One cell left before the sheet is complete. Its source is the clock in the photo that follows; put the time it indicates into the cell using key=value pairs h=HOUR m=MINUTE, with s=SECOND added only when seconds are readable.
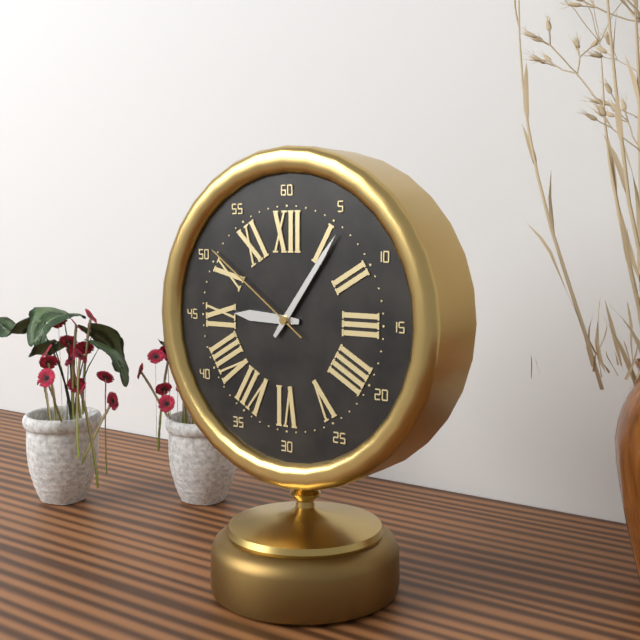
h=9 m=6 s=51
